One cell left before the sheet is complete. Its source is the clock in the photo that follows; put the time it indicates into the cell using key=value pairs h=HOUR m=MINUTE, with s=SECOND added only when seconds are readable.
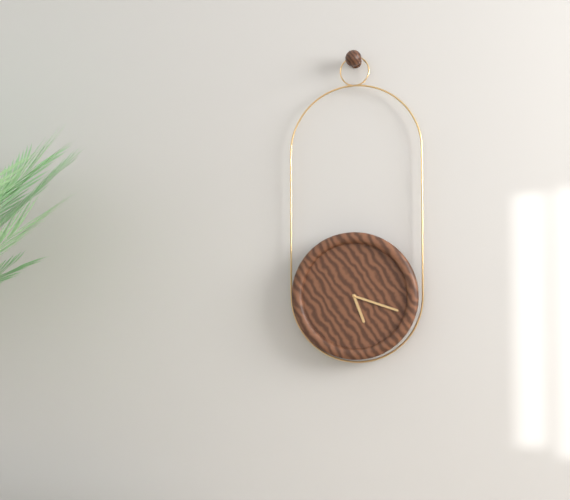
h=5 m=18
